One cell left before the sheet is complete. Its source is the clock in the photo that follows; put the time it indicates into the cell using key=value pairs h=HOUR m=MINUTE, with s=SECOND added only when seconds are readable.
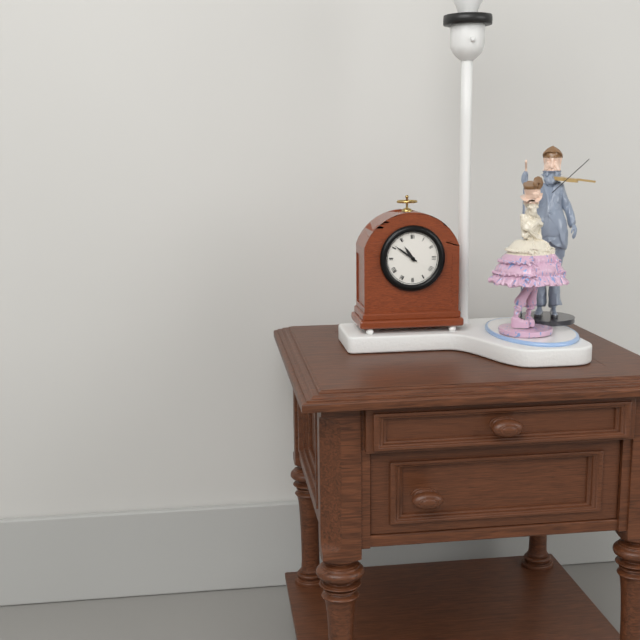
h=10 m=51
